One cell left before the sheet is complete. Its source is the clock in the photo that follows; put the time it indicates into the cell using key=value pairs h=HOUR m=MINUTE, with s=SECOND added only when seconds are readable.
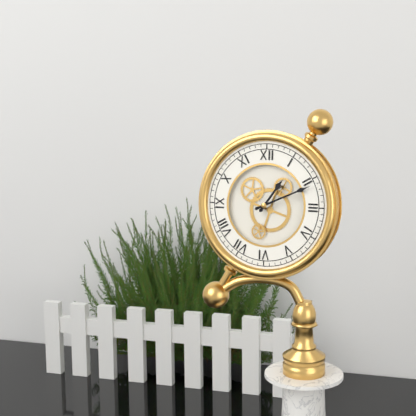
h=1 m=11
